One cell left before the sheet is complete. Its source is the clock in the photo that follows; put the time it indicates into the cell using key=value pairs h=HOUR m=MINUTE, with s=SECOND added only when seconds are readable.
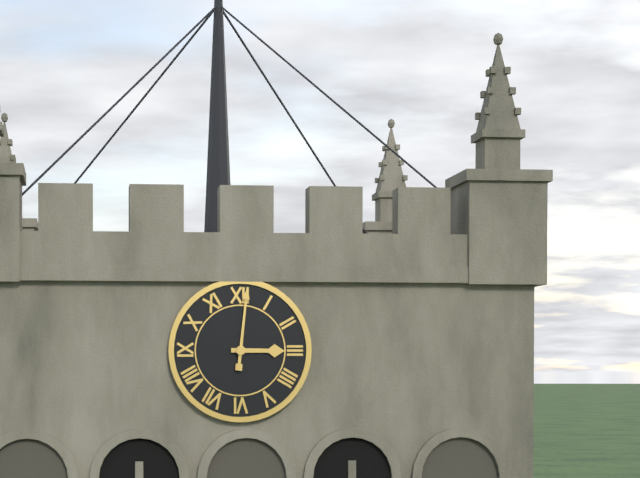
h=3 m=1
